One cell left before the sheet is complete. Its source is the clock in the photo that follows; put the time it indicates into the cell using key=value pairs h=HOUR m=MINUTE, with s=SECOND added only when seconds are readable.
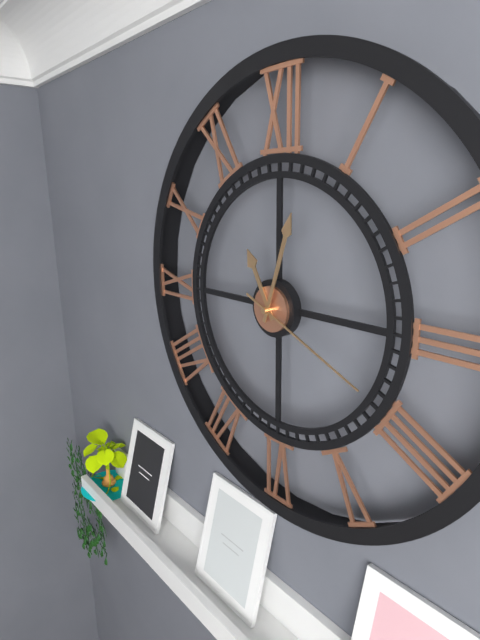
h=11 m=3 s=19
